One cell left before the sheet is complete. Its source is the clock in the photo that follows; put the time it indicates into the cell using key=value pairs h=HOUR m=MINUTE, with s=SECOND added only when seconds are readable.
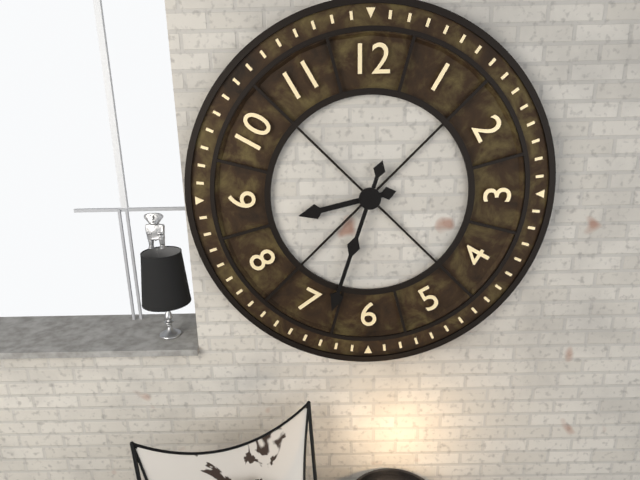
h=8 m=33
